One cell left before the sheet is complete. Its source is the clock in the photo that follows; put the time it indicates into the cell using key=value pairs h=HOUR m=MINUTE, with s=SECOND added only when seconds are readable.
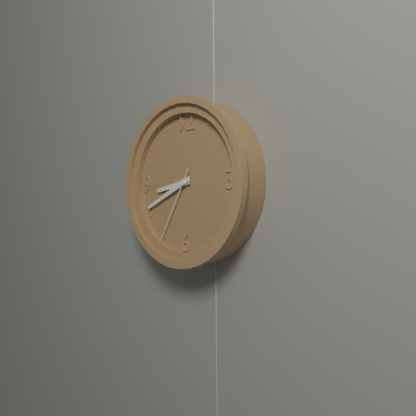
h=8 m=41 s=35
